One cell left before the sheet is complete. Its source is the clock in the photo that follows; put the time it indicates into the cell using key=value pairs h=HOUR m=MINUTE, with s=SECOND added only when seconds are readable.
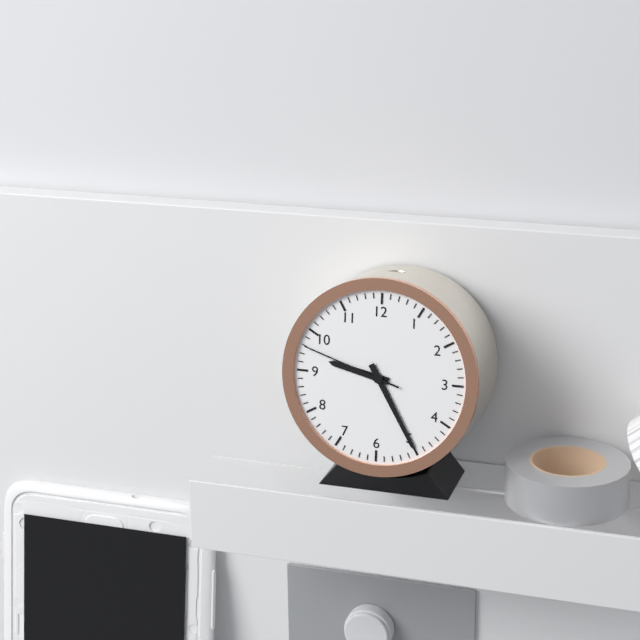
h=9 m=25 s=48
